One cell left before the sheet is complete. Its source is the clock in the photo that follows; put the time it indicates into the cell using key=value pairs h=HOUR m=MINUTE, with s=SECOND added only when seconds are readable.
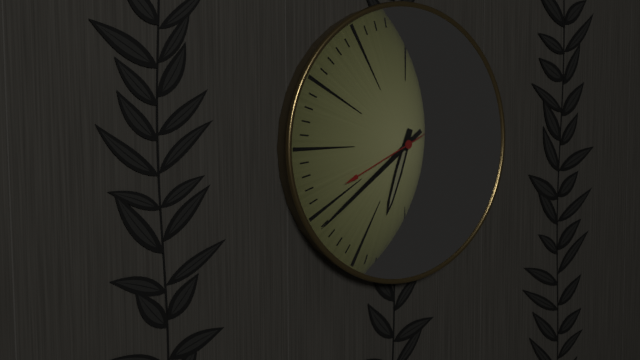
h=6 m=39 s=41
